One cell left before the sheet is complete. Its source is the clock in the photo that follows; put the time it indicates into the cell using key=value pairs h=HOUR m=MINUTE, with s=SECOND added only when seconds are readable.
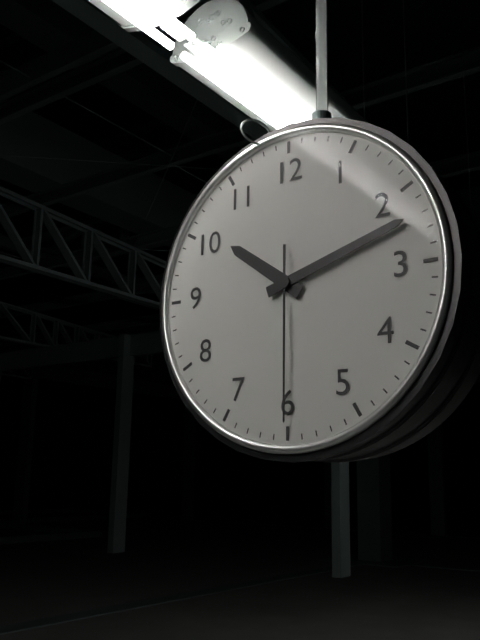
h=10 m=12 s=30
